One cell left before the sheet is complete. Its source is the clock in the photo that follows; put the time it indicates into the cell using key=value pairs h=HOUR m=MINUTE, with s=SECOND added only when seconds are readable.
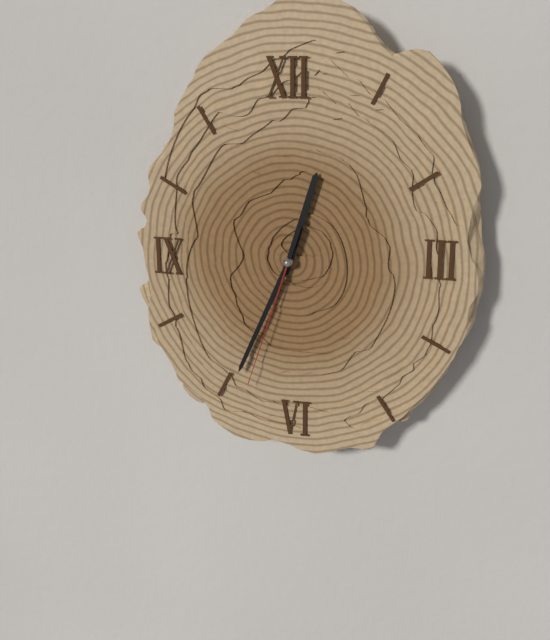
h=12 m=34 s=33
